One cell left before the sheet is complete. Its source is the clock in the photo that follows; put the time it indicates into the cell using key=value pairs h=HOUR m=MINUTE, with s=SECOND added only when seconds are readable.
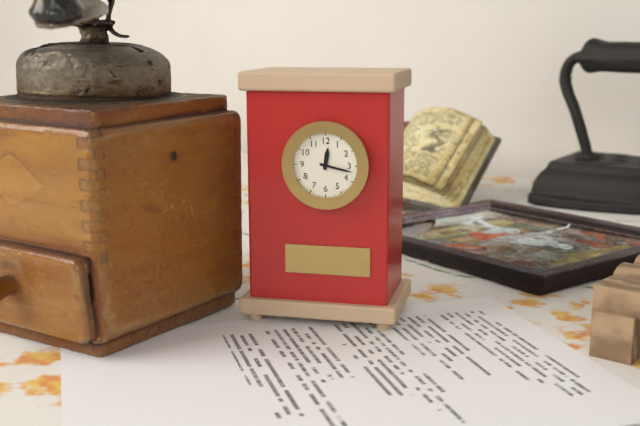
h=12 m=17
